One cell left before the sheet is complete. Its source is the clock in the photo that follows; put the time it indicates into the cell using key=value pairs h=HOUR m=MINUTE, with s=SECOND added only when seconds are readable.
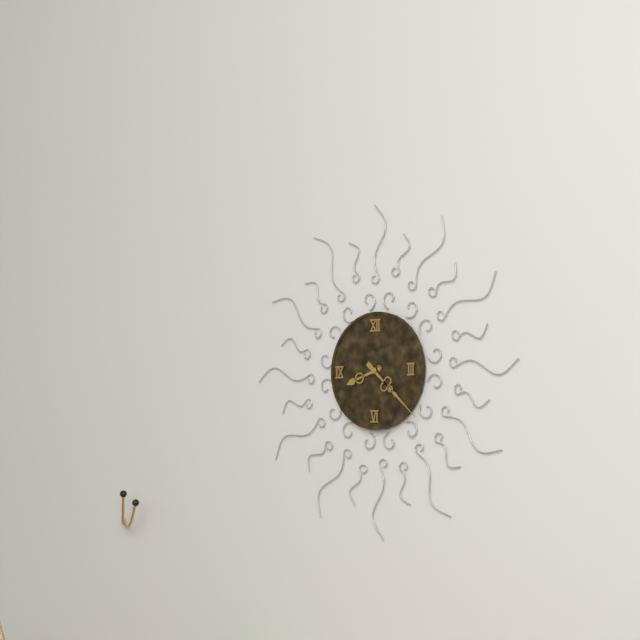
h=8 m=22
